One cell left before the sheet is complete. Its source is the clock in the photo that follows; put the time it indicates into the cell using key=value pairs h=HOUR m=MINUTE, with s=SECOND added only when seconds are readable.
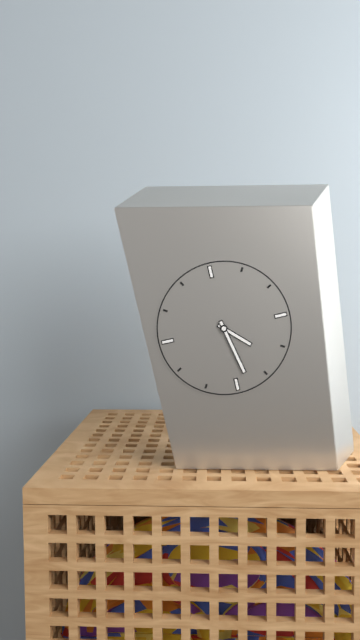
h=4 m=28
